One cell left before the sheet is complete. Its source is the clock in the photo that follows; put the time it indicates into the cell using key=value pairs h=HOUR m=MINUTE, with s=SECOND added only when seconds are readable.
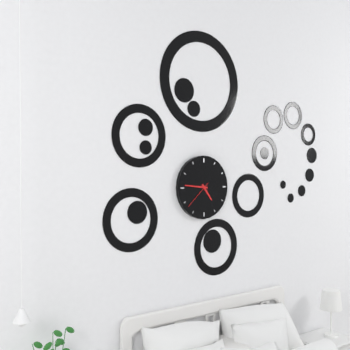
h=4 m=46
